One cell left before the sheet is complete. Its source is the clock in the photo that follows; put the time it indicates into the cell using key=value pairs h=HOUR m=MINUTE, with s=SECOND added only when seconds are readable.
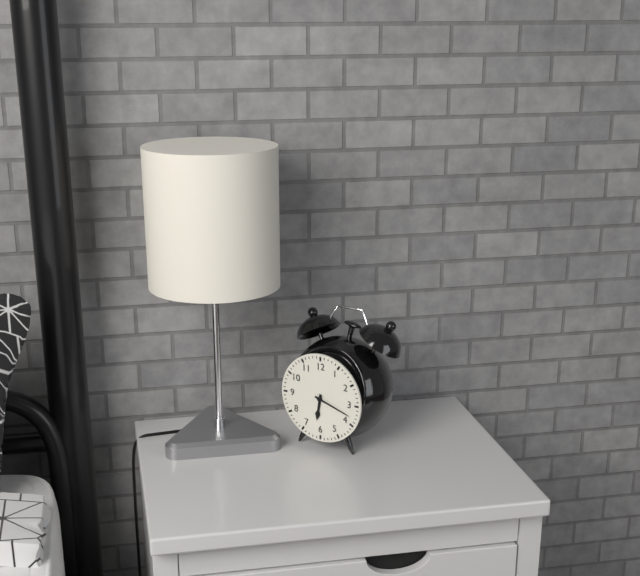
h=6 m=18
